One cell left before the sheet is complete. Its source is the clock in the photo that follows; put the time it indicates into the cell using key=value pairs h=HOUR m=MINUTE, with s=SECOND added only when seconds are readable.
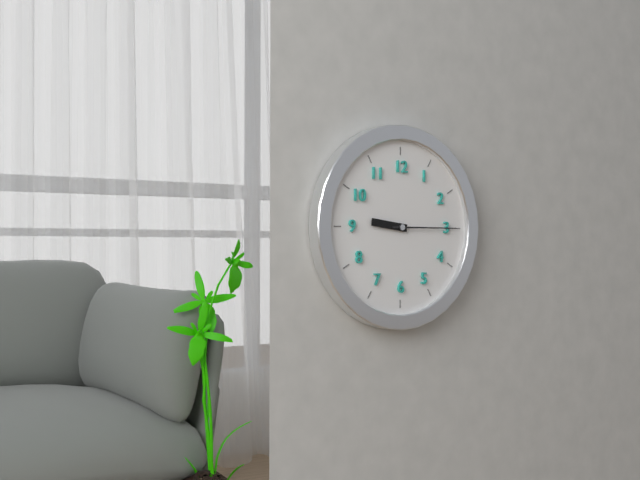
h=9 m=15
